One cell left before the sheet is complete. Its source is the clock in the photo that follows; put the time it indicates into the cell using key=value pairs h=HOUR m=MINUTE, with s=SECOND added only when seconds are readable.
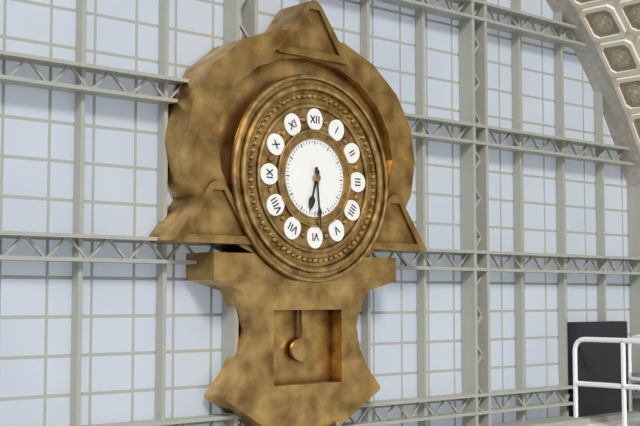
h=6 m=29
